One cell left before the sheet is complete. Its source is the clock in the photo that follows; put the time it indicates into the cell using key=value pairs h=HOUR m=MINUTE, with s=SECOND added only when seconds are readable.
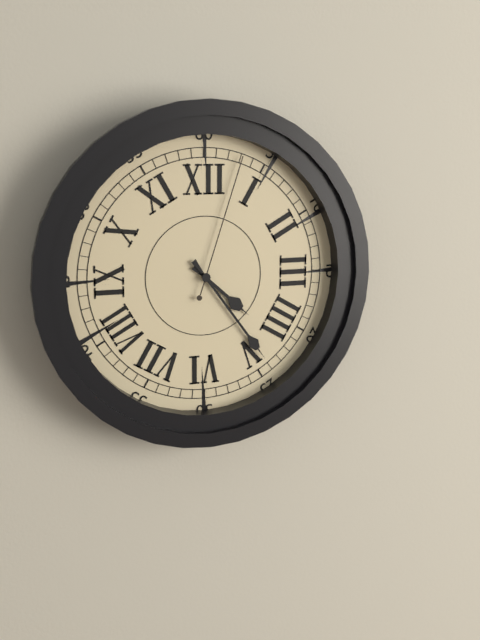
h=4 m=24 s=3
